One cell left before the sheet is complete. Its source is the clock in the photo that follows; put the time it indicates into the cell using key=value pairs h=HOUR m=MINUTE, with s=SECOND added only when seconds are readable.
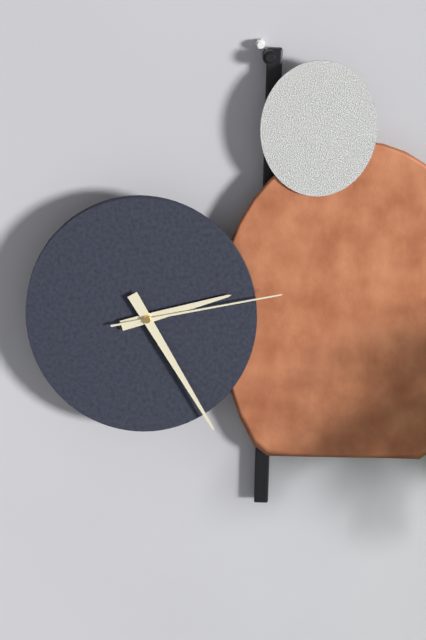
h=2 m=25 s=13
